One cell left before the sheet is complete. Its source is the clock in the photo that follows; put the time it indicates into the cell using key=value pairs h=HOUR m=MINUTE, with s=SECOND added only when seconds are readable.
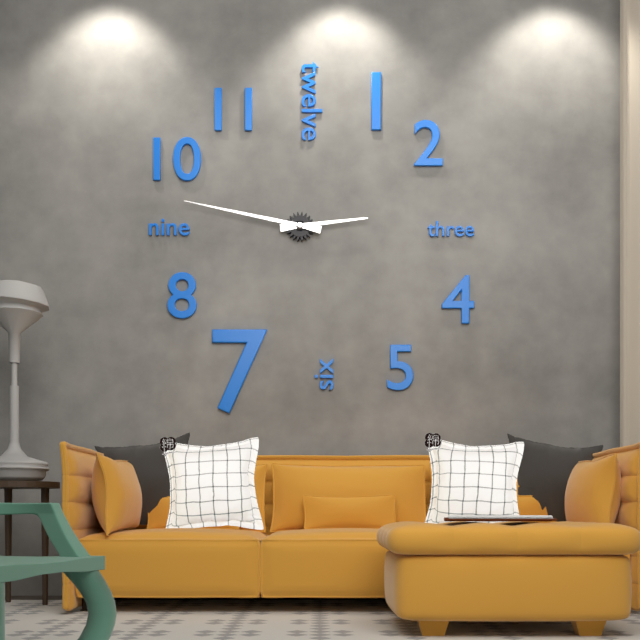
h=2 m=47
